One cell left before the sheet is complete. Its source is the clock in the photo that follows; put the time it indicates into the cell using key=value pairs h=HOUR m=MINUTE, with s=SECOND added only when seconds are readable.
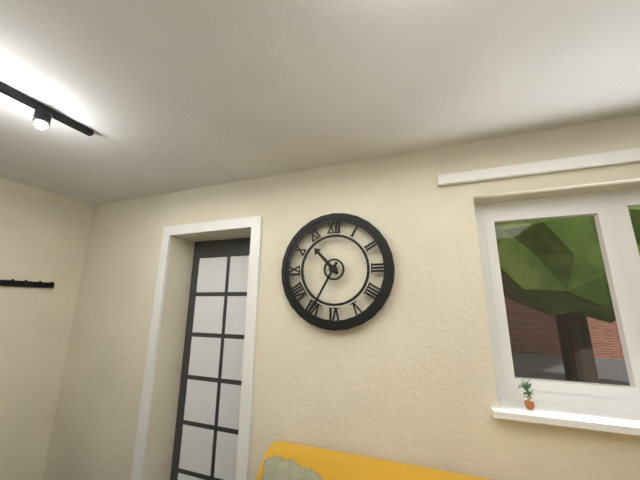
h=10 m=35
